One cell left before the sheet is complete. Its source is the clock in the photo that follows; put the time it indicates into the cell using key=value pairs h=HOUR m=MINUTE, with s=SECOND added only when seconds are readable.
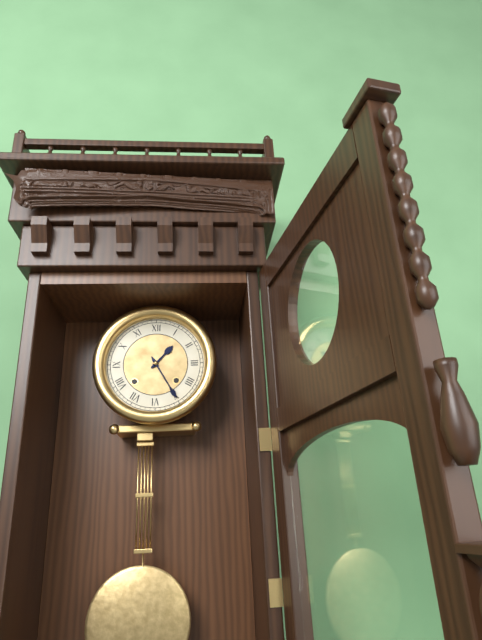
h=1 m=25
